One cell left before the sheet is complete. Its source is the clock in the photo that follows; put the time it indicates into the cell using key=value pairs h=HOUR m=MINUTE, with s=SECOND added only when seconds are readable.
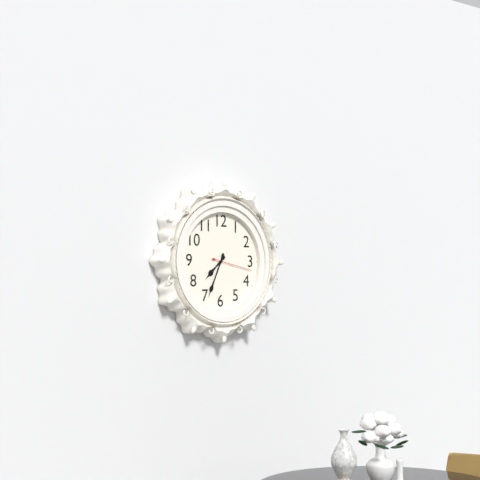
h=7 m=34
